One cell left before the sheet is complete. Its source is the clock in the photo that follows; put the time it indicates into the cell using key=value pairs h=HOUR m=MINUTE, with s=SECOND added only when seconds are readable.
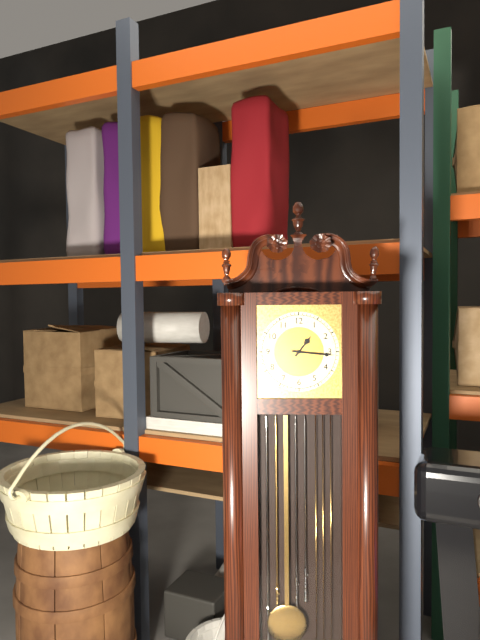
h=1 m=16
